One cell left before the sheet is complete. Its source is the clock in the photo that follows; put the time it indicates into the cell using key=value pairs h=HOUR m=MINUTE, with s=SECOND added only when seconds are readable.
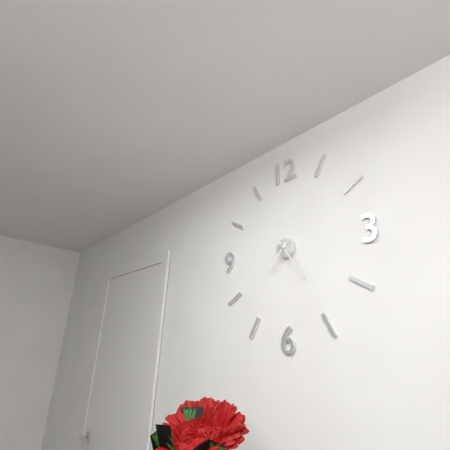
h=7 m=24
